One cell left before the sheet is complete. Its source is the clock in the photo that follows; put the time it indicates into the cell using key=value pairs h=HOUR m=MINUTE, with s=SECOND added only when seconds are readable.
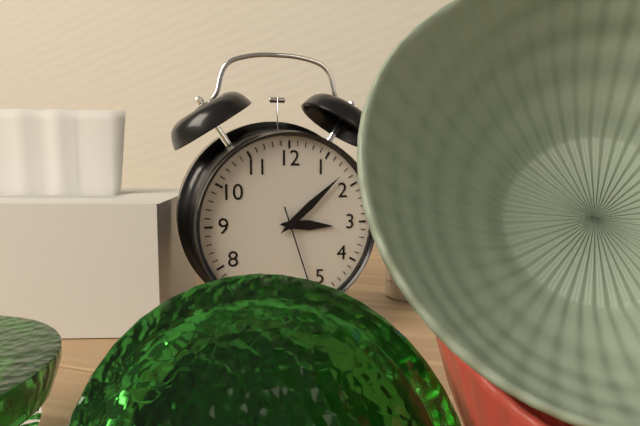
h=3 m=8 s=27
